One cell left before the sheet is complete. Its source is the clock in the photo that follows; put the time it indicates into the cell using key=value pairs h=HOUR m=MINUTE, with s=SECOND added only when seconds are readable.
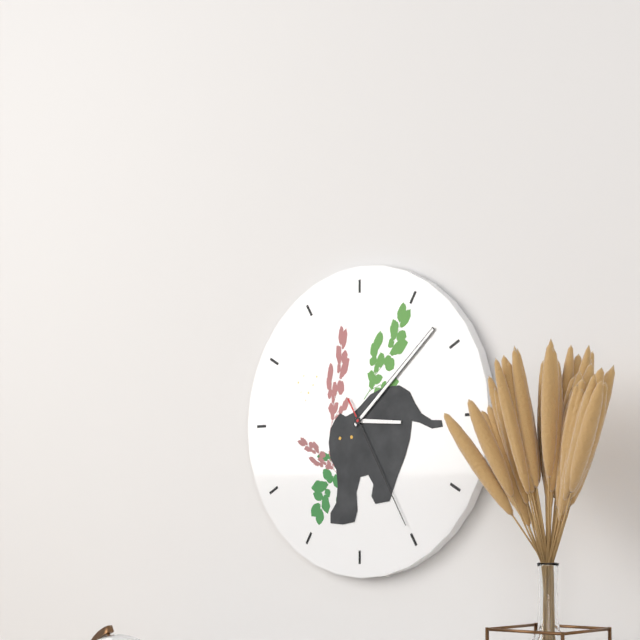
h=3 m=8 s=25
